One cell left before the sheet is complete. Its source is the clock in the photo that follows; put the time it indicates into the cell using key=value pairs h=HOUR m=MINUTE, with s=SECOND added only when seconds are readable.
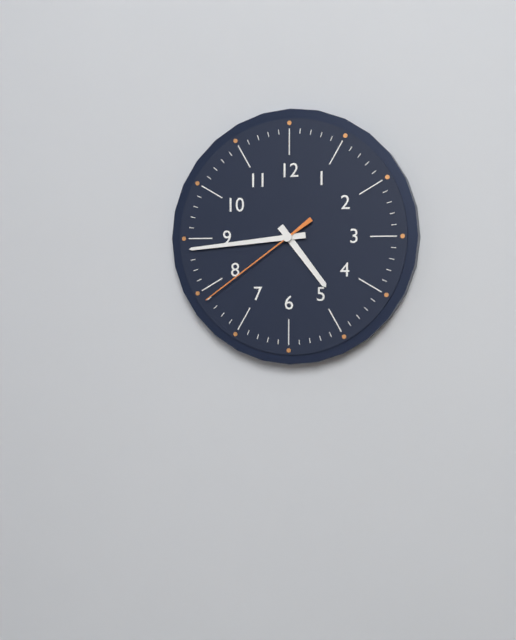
h=4 m=44 s=39
